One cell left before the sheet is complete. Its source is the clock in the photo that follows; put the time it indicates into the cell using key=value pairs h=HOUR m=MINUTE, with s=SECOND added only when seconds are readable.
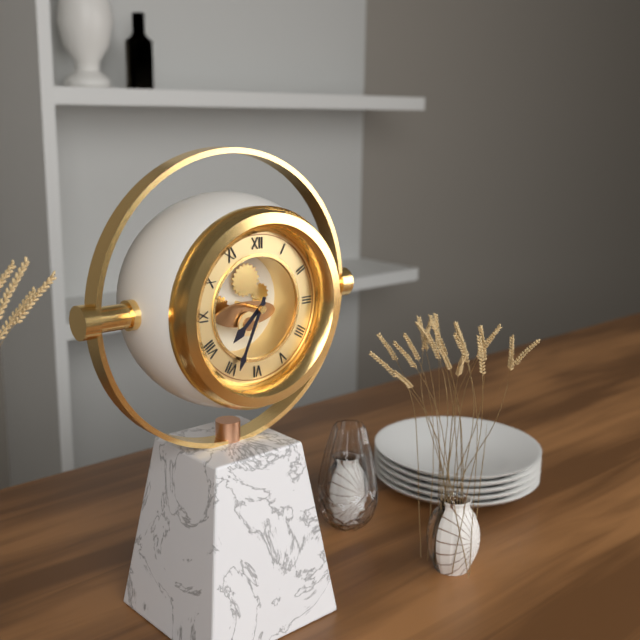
h=7 m=34
